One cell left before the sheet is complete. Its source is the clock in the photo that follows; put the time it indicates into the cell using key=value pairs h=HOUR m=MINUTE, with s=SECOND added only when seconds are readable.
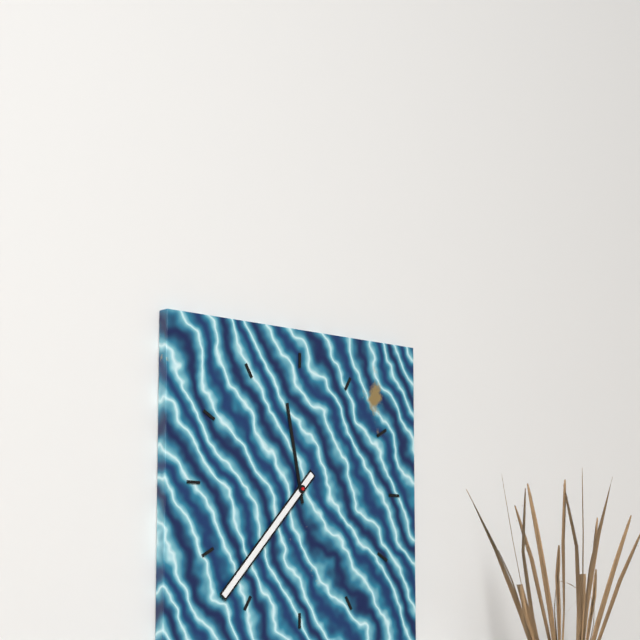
h=11 m=37
